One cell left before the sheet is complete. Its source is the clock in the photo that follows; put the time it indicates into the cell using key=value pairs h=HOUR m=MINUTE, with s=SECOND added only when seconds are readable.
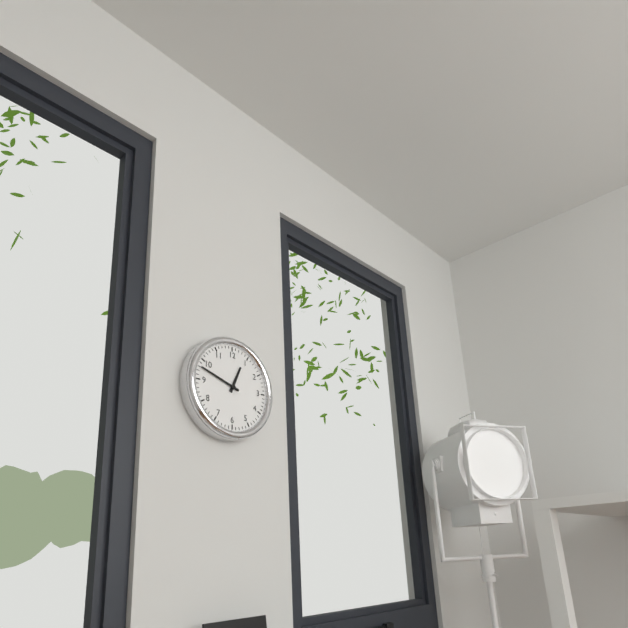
h=12 m=48
